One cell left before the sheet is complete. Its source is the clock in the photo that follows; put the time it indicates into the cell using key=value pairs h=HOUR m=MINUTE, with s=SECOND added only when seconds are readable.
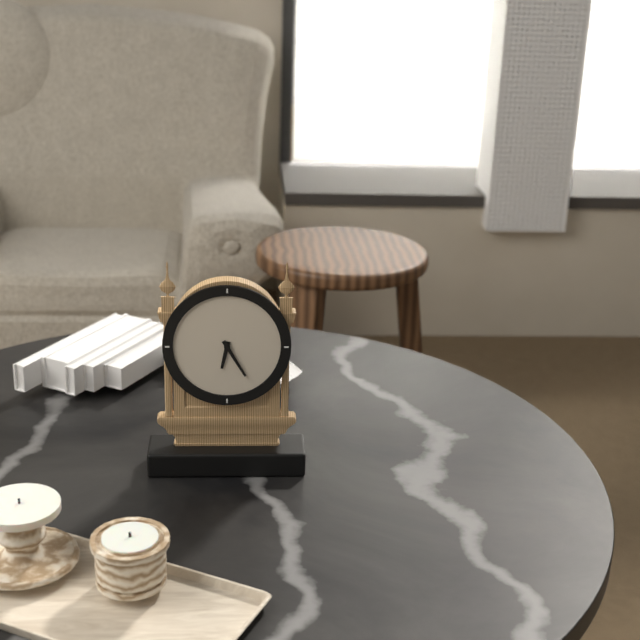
h=6 m=25
